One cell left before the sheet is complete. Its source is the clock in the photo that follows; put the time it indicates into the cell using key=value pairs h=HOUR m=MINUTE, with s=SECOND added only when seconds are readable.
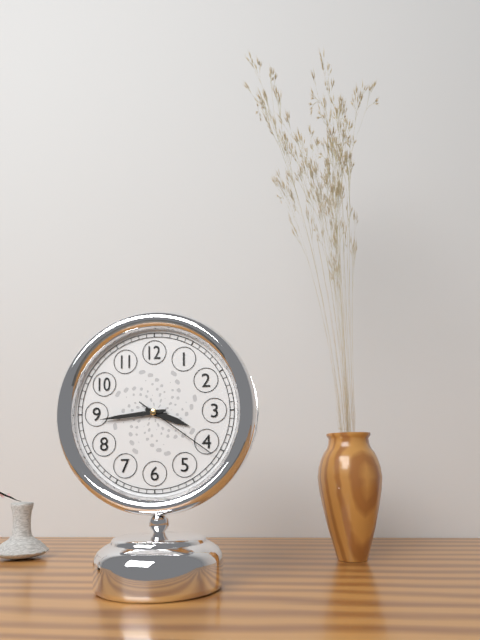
h=3 m=44 s=21
